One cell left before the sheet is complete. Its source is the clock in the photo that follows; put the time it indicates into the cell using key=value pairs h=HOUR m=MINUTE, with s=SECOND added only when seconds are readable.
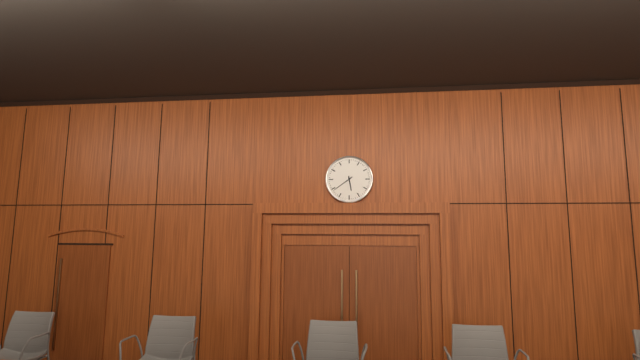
h=5 m=39
